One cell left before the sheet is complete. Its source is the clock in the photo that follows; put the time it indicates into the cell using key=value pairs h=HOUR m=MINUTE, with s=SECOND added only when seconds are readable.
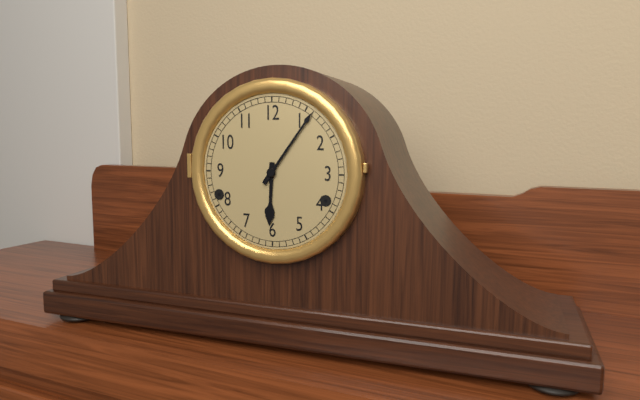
h=6 m=6
